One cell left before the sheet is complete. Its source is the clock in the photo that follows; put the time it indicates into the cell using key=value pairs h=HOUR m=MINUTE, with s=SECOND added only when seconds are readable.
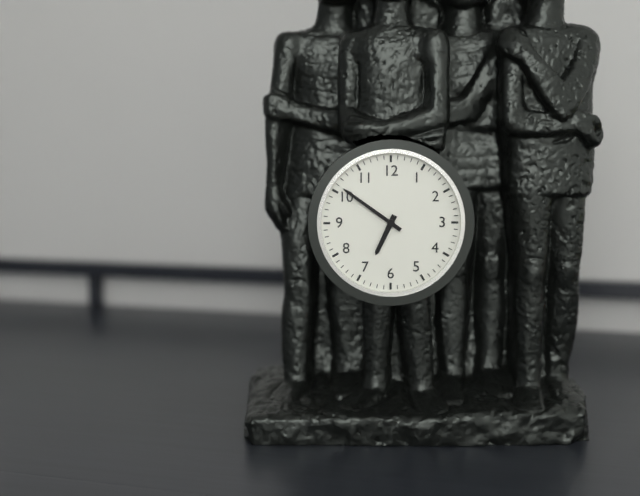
h=6 m=51
